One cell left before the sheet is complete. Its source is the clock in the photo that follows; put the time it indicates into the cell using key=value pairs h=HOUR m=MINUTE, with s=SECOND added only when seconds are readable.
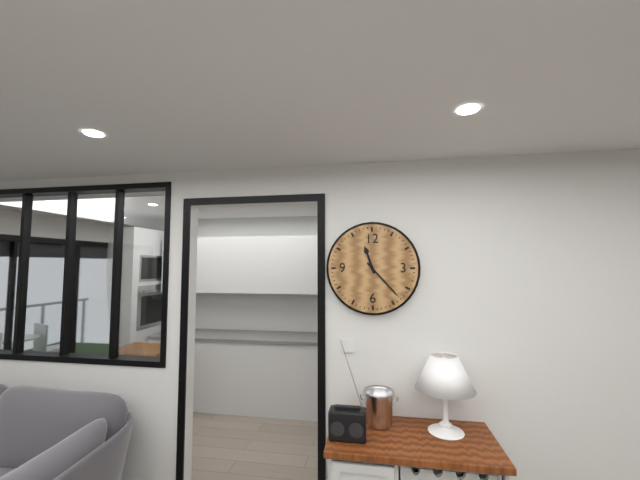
h=11 m=23
